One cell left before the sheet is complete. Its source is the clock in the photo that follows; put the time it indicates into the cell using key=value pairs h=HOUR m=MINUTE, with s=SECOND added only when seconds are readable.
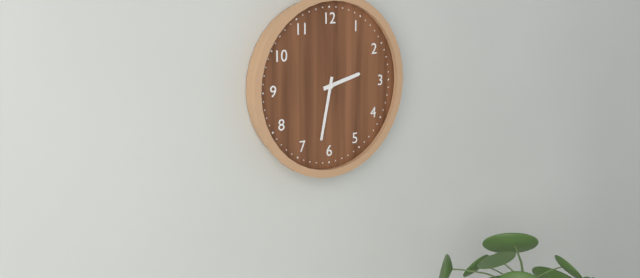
h=2 m=32
